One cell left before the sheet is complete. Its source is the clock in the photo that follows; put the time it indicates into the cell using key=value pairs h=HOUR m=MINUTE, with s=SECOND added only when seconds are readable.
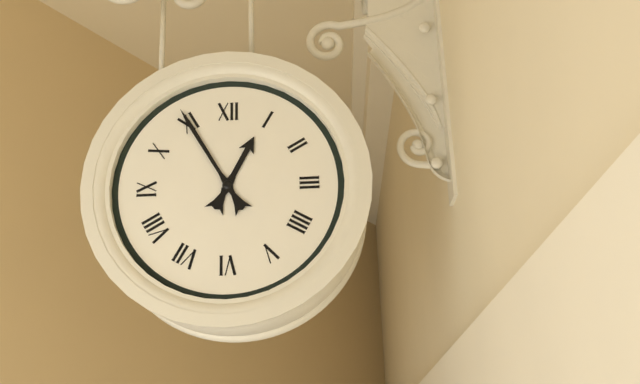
h=12 m=55
